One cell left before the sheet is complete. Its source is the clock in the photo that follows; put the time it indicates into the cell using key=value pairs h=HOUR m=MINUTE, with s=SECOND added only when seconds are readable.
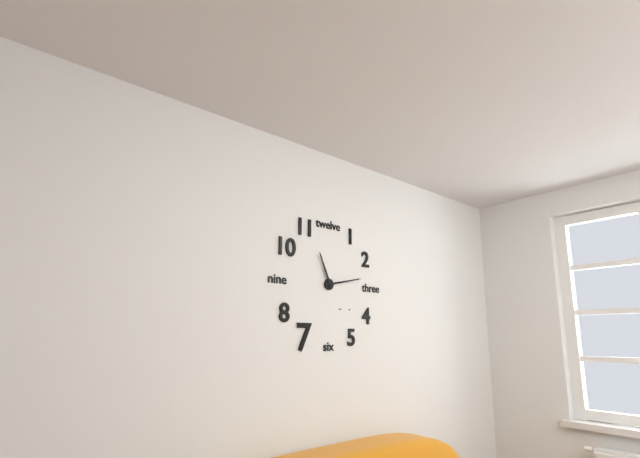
h=11 m=13
